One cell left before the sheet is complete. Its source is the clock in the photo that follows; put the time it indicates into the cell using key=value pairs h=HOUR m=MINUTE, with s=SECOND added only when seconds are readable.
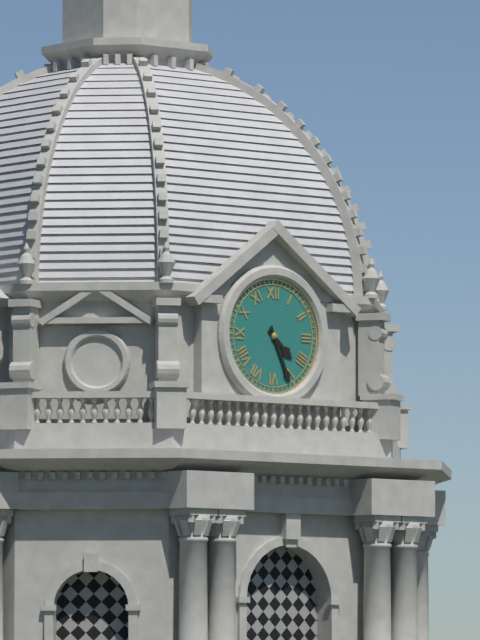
h=4 m=26
